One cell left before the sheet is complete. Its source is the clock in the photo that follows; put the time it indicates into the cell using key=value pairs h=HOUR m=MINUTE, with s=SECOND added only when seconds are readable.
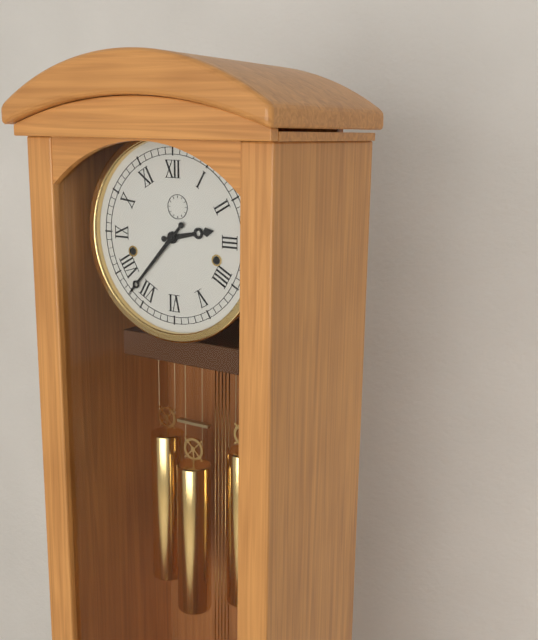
h=2 m=37
